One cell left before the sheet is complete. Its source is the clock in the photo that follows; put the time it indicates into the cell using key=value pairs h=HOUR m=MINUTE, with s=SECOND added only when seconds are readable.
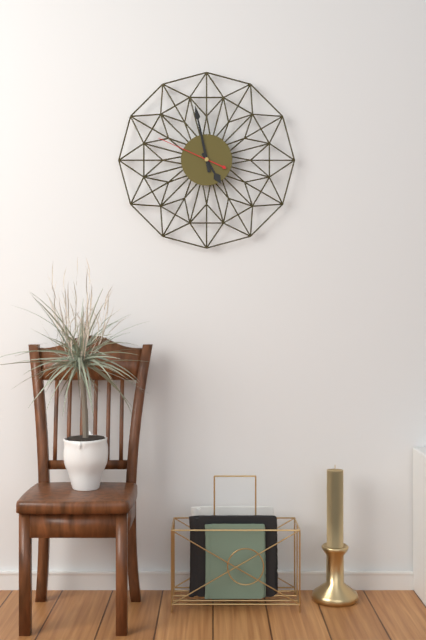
h=4 m=58 s=49
